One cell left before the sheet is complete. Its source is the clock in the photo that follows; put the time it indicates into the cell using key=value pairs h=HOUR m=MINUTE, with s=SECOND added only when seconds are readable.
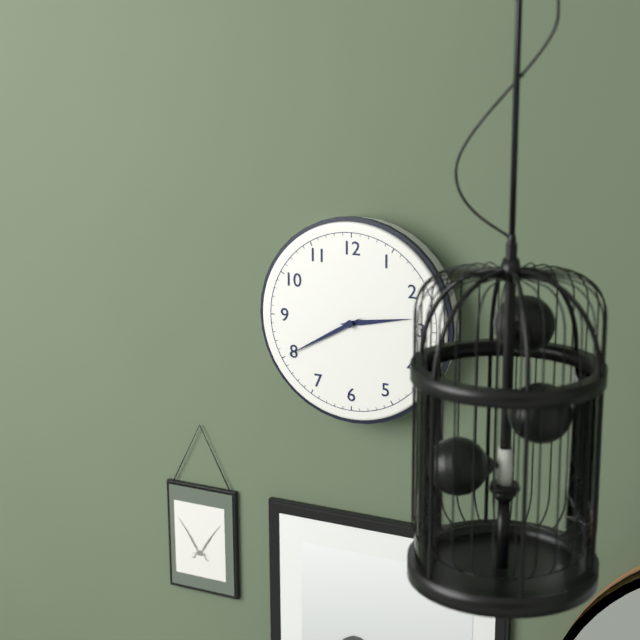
h=2 m=40
